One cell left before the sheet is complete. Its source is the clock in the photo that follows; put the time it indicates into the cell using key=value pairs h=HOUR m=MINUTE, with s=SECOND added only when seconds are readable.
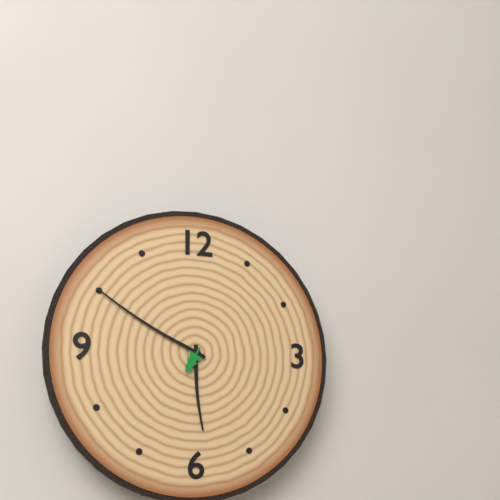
h=5 m=50
